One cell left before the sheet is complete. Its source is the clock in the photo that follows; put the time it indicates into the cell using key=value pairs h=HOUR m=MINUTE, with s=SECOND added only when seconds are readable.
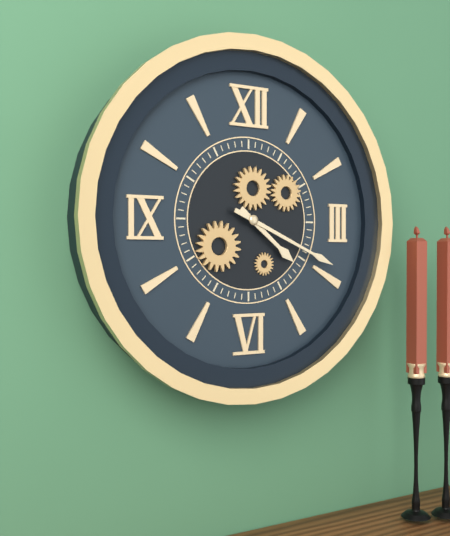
h=4 m=19
